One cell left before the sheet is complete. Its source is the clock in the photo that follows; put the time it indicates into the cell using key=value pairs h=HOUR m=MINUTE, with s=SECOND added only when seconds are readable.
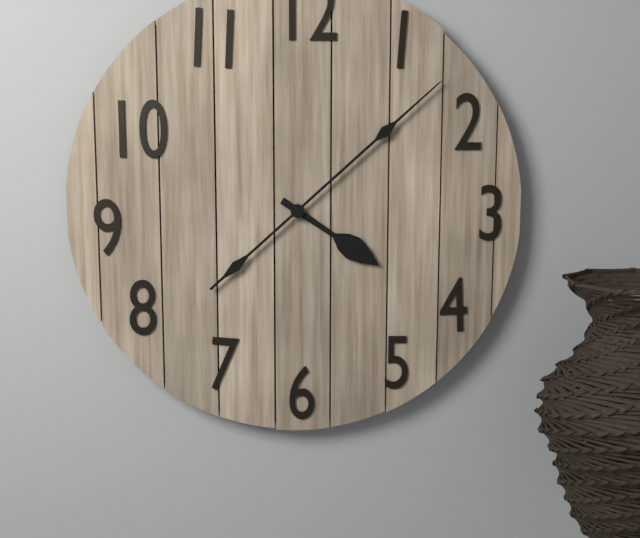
h=4 m=8
